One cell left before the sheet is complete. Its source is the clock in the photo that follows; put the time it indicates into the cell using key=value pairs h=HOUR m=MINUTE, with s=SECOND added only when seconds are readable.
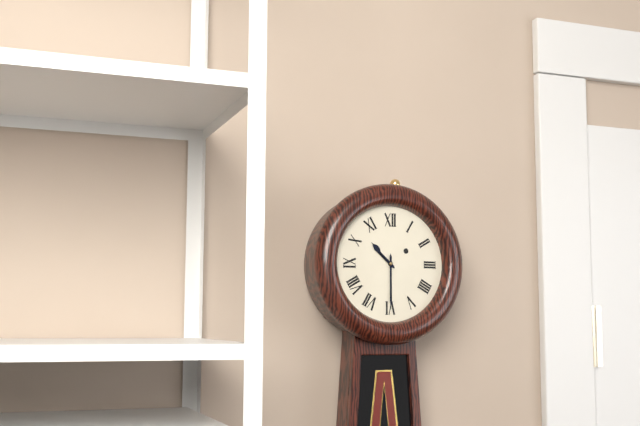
h=10 m=30
